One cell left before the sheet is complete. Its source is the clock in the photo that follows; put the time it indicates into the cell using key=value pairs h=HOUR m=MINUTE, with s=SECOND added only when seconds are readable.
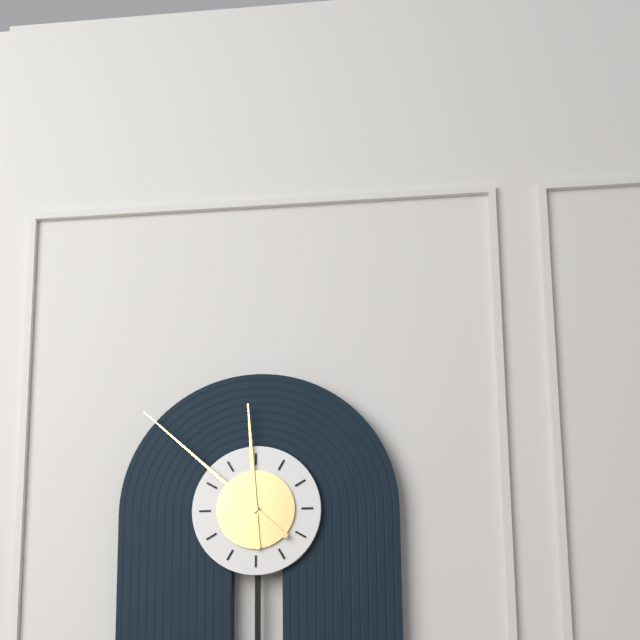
h=11 m=52
